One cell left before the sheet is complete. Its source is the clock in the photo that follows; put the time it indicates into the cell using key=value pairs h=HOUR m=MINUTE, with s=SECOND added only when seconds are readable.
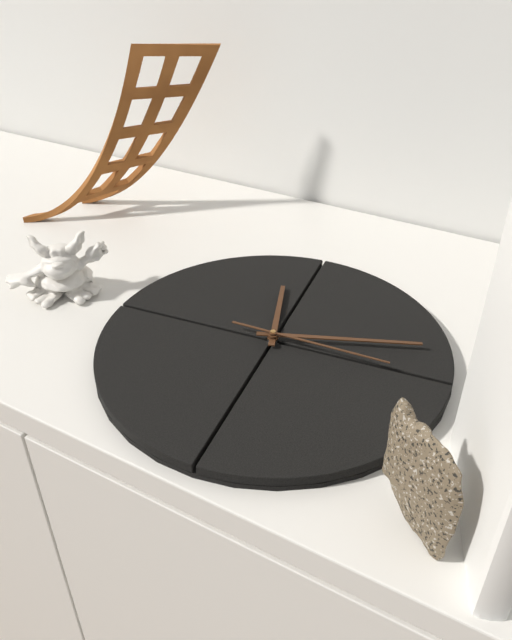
h=12 m=16 s=19
